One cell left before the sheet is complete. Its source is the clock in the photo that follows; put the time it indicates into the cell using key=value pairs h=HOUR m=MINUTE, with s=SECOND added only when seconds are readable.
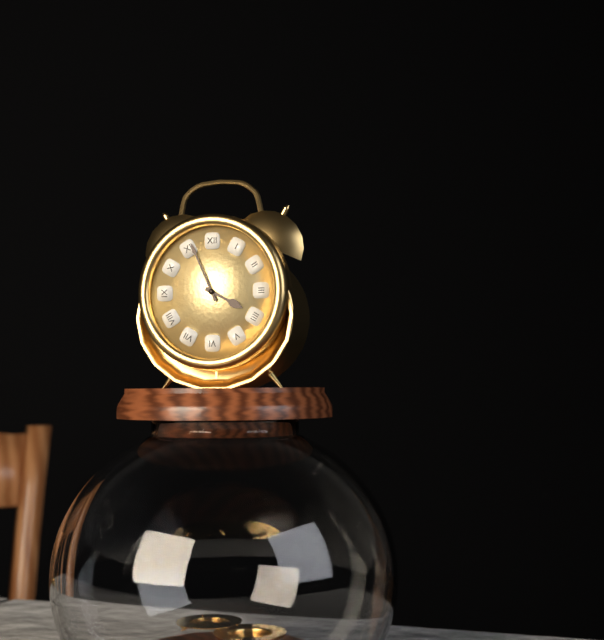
h=3 m=56
